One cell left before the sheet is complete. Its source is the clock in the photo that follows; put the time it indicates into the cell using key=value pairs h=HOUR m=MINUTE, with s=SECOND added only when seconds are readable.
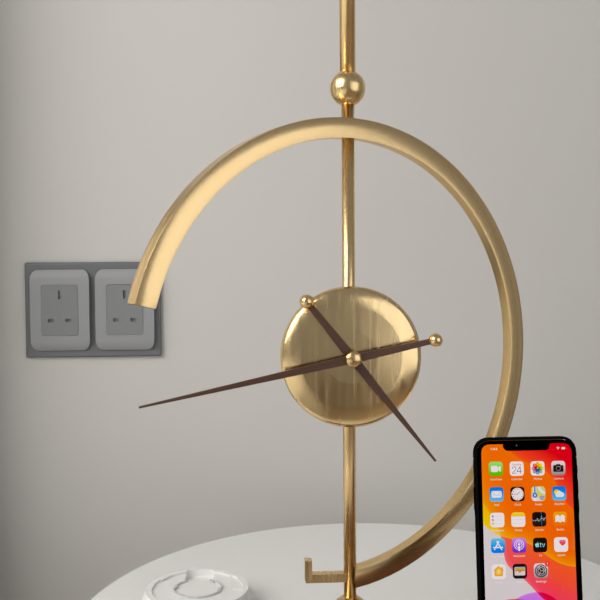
h=4 m=43
